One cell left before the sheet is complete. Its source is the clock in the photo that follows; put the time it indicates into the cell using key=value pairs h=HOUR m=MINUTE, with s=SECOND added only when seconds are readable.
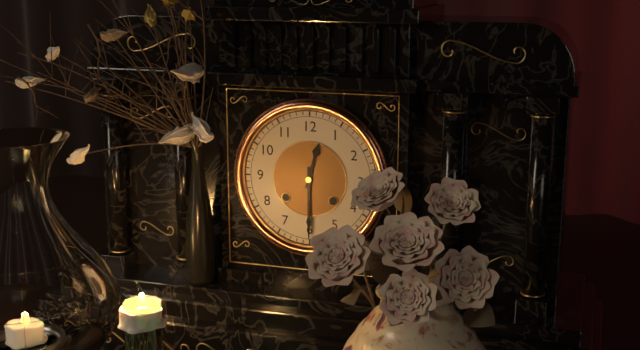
h=12 m=30
